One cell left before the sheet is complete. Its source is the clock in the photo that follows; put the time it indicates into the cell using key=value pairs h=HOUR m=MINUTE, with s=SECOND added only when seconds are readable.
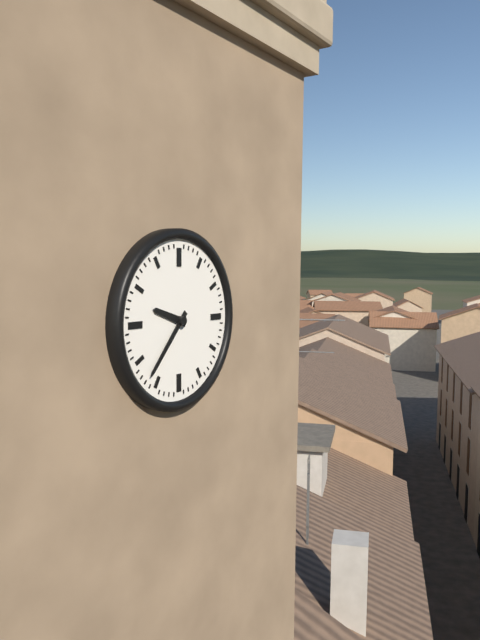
h=9 m=37
